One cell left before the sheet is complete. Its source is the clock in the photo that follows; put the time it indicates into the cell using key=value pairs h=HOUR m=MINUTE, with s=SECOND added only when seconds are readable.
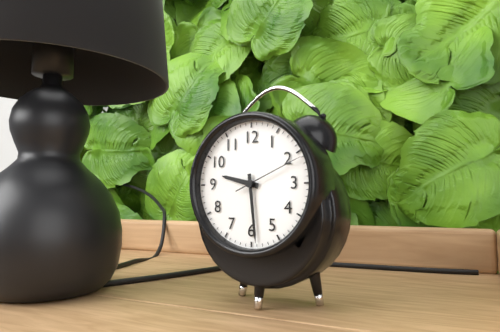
h=9 m=29 s=11
